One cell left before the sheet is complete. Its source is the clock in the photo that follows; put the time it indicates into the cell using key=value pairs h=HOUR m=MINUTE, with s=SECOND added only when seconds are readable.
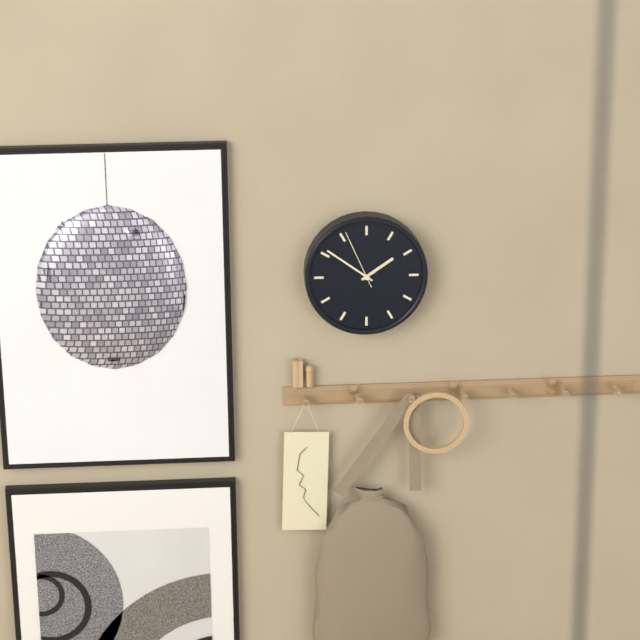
h=1 m=51 s=56
